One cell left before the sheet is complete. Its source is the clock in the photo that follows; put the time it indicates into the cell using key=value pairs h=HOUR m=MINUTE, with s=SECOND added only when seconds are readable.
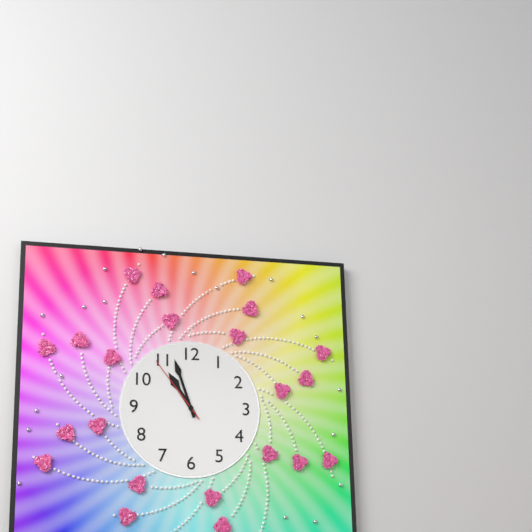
h=10 m=57 s=54
